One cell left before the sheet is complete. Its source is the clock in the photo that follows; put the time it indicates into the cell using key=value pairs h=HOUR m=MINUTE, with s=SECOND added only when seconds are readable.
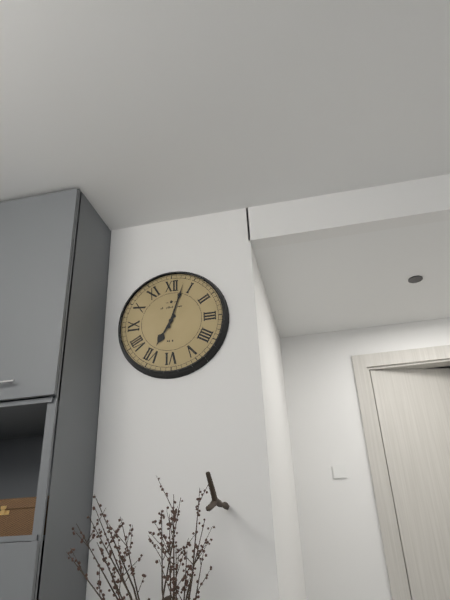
h=7 m=3
